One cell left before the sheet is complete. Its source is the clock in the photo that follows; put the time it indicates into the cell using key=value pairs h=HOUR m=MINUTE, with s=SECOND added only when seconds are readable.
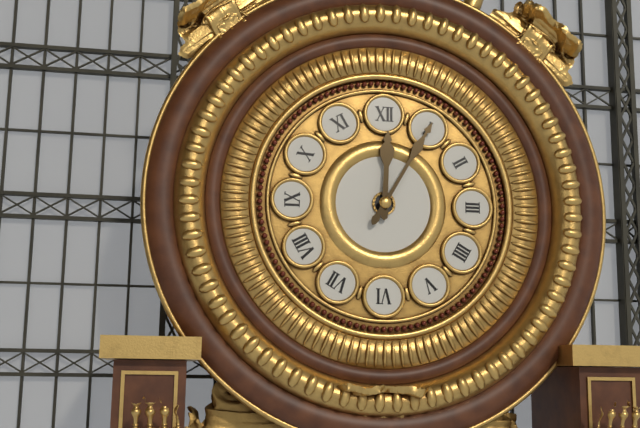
h=12 m=5
